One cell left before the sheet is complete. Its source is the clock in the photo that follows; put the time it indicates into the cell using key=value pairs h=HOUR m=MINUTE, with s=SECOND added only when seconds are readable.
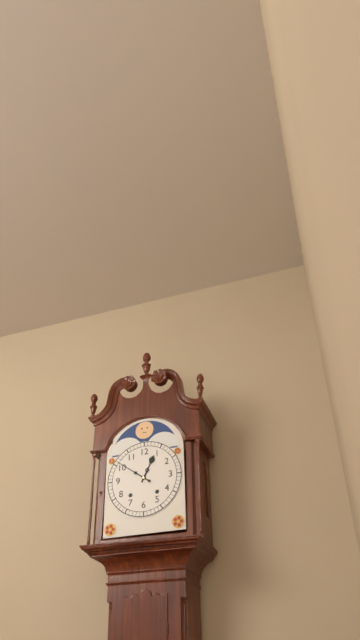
h=12 m=51
